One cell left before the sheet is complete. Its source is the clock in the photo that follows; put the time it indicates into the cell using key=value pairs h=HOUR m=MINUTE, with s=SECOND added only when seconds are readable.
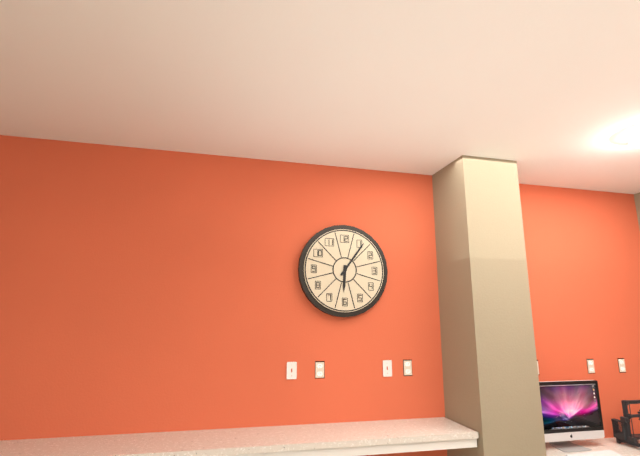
h=6 m=6
